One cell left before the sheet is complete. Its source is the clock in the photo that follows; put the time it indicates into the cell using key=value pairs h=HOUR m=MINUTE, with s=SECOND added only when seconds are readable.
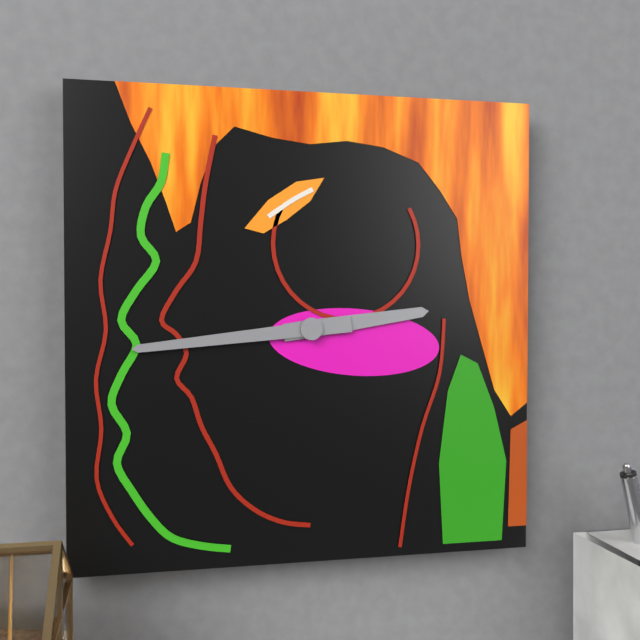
h=2 m=44
